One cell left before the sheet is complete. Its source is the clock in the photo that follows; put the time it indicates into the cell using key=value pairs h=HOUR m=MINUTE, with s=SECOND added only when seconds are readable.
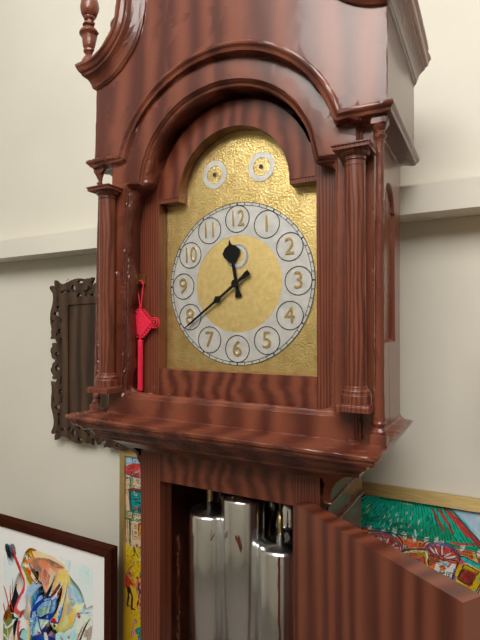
h=11 m=39
